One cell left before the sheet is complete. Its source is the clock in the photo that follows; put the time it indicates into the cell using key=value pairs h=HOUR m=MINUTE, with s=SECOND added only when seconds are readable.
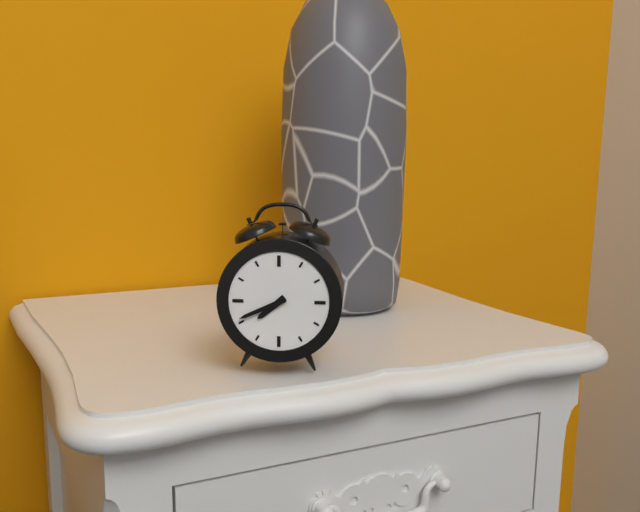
h=7 m=41
